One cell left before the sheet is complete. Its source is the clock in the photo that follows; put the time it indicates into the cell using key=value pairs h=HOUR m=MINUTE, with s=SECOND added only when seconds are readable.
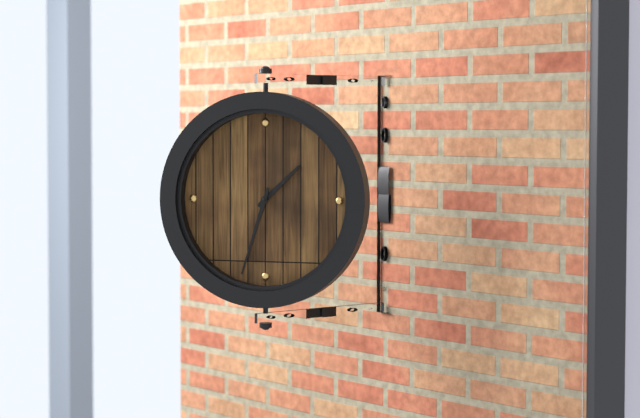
h=1 m=33
